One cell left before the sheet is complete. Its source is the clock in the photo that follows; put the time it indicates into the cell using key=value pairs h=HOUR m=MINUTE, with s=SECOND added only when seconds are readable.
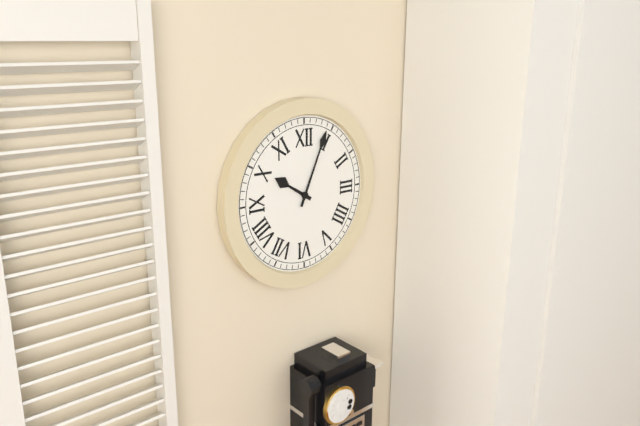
h=10 m=4
